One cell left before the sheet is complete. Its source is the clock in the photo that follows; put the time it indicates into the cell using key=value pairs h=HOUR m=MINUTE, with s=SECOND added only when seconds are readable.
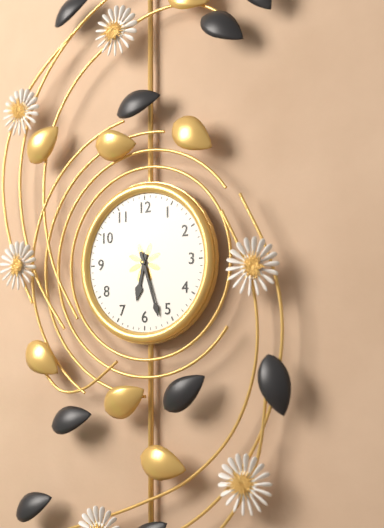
h=6 m=27
